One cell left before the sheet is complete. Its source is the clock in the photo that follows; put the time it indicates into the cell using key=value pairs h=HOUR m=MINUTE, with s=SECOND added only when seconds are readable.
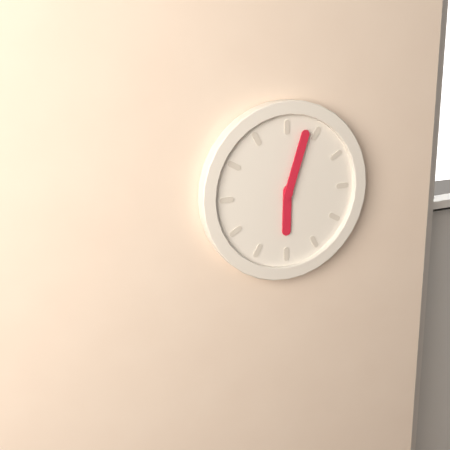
h=6 m=3
